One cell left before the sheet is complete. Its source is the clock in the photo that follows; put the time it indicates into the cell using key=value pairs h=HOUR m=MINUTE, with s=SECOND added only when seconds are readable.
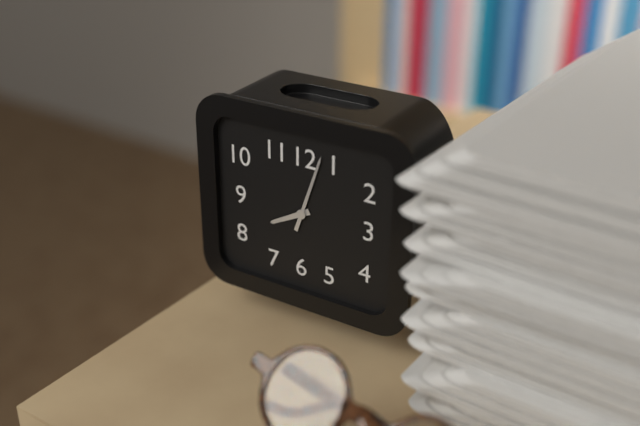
h=8 m=3
